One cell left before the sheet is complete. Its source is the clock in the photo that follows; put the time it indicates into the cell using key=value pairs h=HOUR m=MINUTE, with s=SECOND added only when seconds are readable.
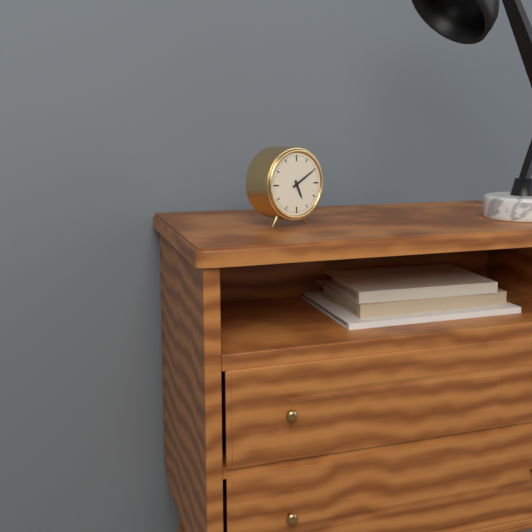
h=5 m=10
